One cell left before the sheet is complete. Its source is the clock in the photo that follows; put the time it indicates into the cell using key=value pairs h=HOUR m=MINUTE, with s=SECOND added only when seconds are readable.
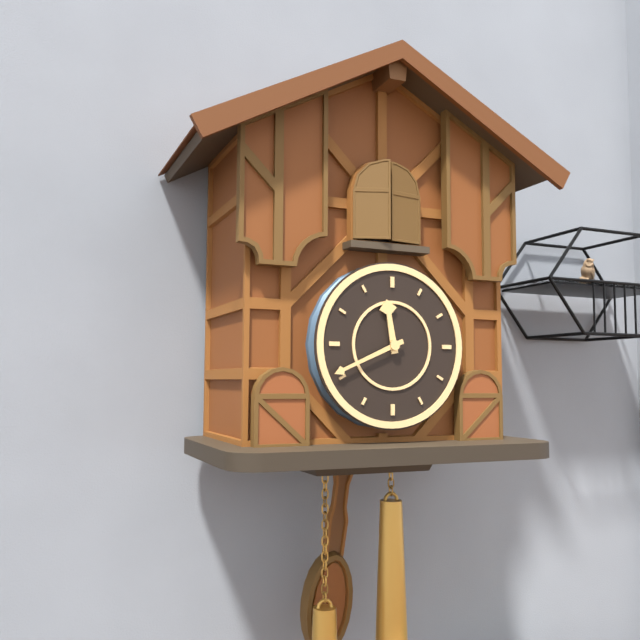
h=11 m=41
